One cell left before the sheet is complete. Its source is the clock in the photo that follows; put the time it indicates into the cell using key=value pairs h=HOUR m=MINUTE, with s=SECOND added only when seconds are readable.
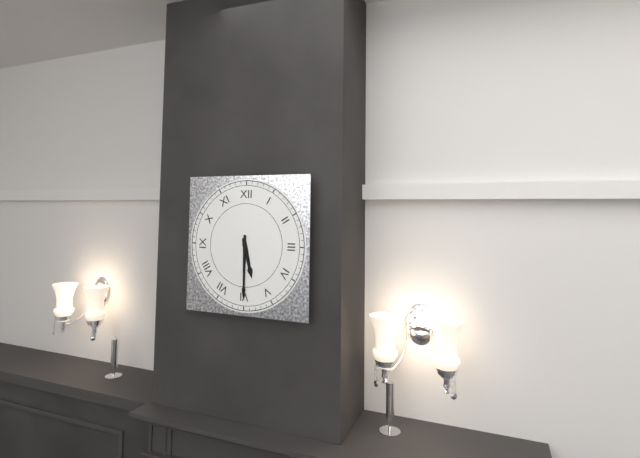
h=5 m=30
